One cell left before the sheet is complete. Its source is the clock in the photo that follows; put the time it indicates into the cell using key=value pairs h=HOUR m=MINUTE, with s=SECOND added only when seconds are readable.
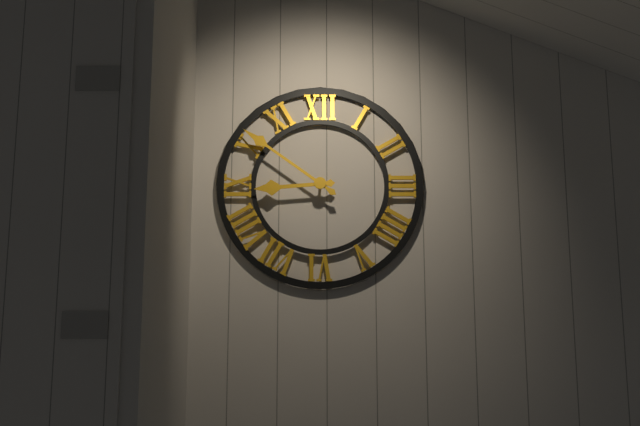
h=8 m=51
